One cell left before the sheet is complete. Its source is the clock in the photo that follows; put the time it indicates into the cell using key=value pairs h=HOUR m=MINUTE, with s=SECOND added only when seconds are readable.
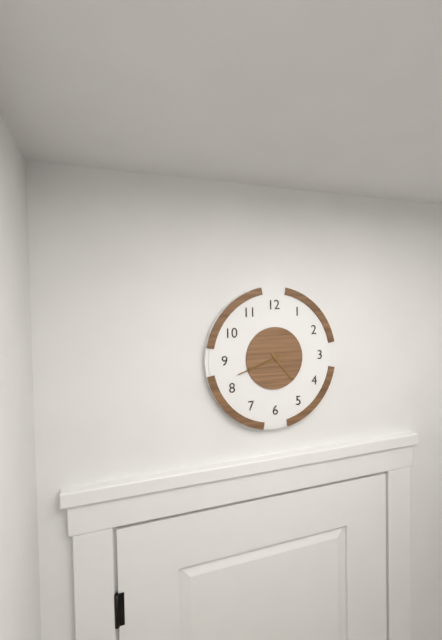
h=4 m=42
